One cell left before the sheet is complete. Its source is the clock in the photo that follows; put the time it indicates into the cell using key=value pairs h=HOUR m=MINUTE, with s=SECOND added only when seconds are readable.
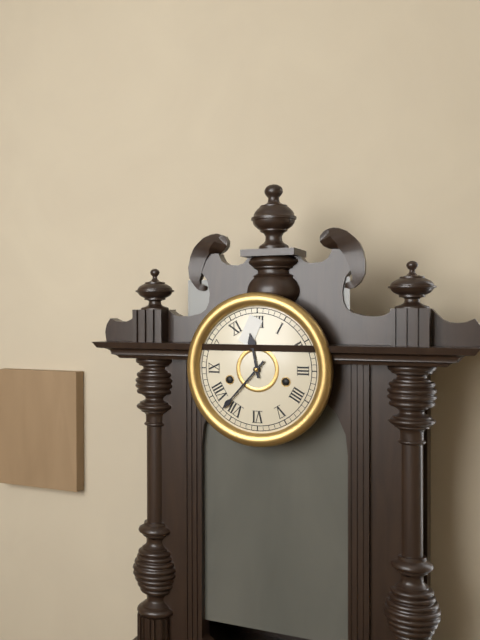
h=11 m=37
